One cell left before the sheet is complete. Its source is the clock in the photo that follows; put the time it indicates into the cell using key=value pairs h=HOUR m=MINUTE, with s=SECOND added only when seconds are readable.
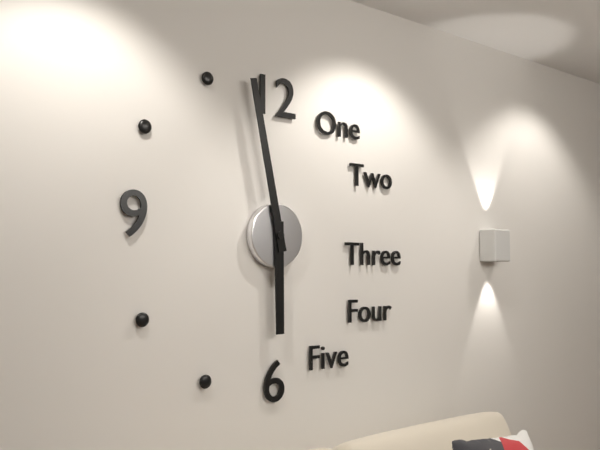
h=5 m=58
